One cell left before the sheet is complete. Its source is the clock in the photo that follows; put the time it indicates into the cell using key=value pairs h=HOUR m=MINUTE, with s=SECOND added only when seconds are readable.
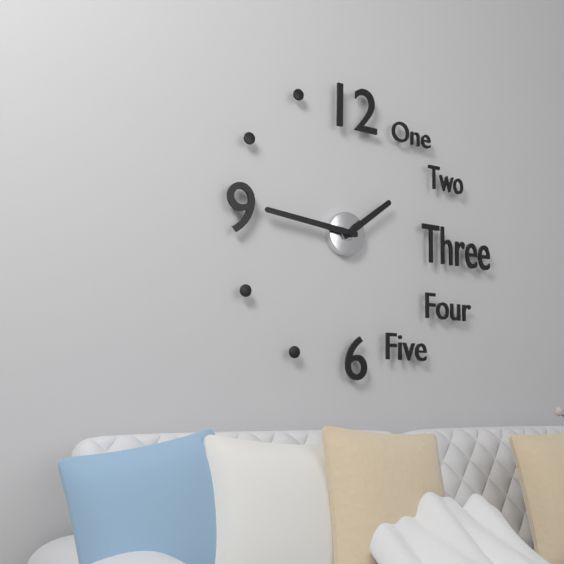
h=1 m=46
